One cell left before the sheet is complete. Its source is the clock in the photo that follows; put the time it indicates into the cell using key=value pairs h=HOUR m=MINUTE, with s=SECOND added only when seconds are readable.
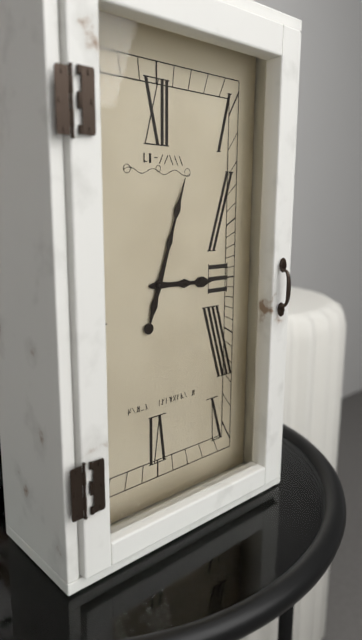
h=3 m=3
